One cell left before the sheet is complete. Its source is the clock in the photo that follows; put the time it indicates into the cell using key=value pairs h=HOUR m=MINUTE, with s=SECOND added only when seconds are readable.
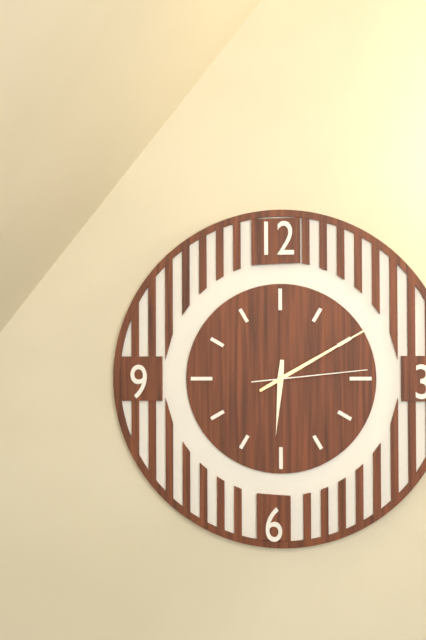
h=6 m=10 s=14
